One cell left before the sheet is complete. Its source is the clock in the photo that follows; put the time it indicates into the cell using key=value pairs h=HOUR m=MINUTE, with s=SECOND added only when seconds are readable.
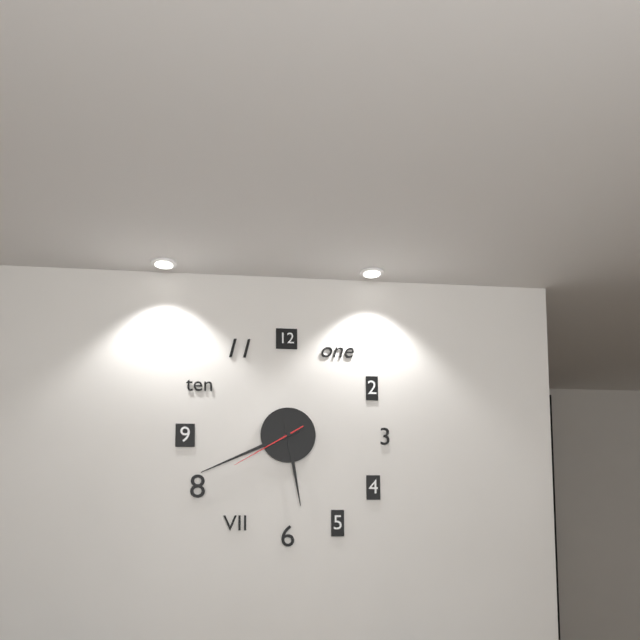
h=5 m=41 s=40
